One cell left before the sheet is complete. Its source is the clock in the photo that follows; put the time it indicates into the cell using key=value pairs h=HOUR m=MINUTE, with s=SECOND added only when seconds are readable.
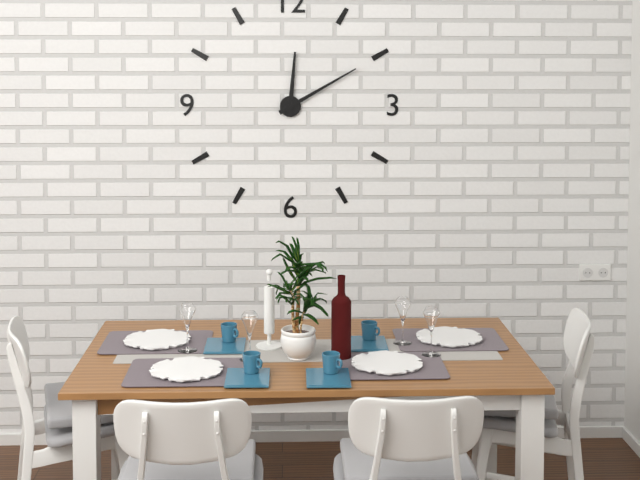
h=12 m=10
